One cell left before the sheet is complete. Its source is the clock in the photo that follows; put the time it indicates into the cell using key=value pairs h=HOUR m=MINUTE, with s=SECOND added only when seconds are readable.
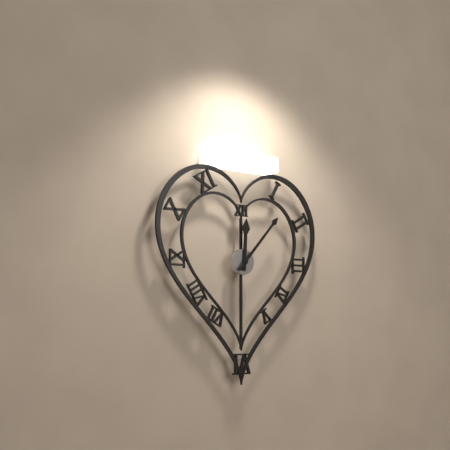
h=12 m=7
